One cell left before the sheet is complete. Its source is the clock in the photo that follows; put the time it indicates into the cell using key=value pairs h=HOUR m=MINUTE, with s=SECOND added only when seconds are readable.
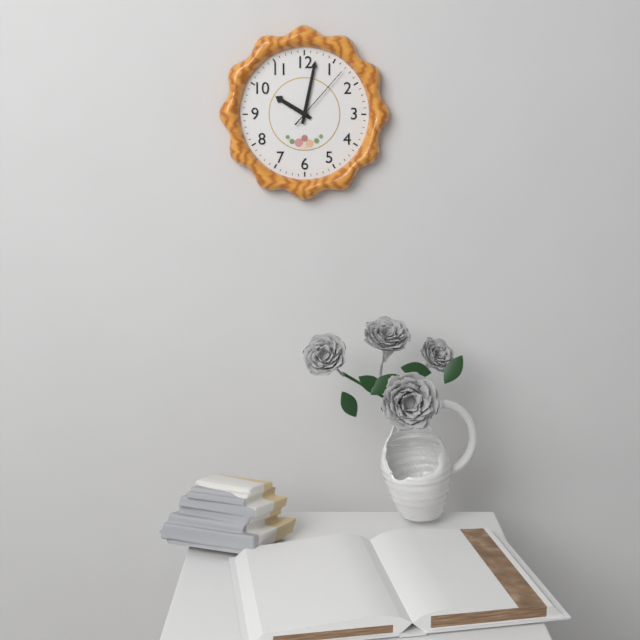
h=10 m=2 s=7
